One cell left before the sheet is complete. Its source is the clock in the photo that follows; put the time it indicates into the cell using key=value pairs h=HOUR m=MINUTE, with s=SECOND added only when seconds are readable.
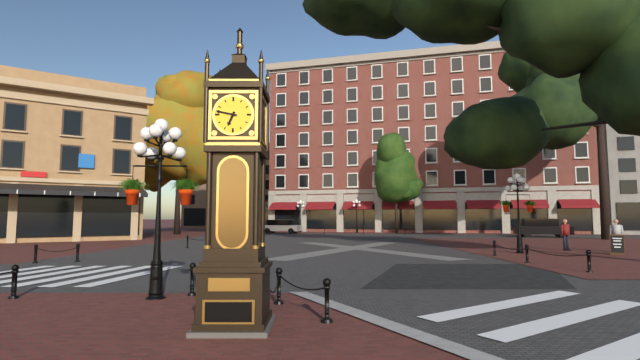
h=6 m=47
